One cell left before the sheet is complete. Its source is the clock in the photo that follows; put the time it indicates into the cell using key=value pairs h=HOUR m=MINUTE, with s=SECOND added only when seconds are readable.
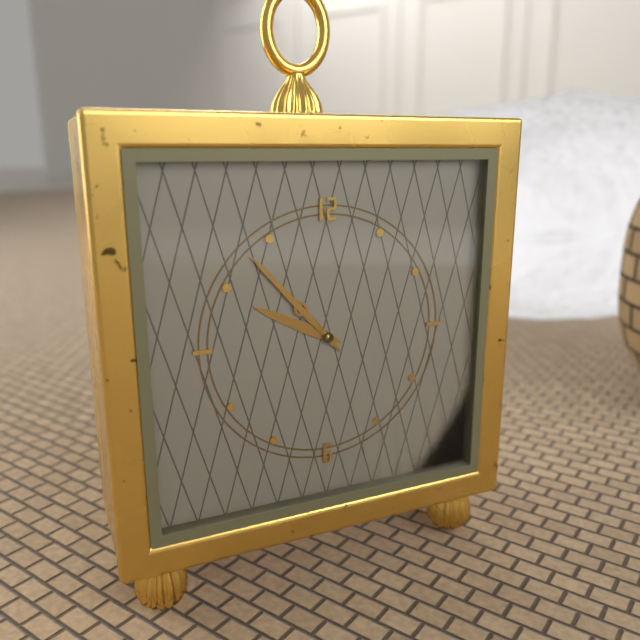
h=9 m=53
